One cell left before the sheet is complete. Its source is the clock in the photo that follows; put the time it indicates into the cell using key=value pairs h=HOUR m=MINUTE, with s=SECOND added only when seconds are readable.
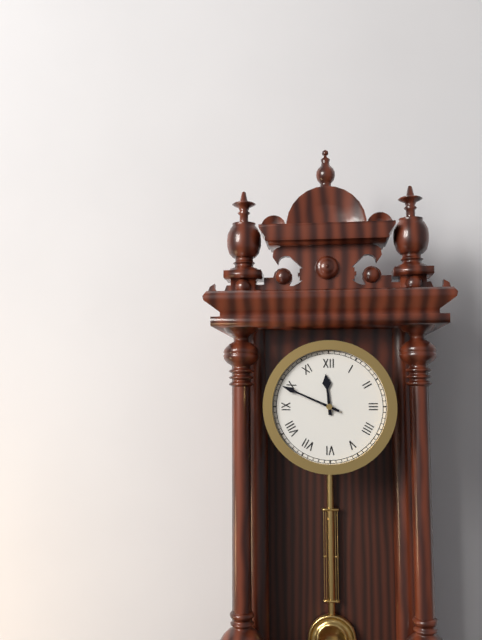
h=11 m=49
